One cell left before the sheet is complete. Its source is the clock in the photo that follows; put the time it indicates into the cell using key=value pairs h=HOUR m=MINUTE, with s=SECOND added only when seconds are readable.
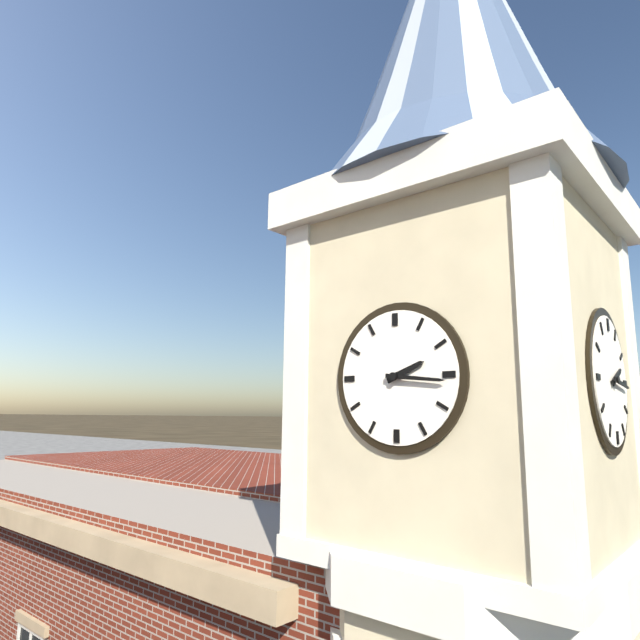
h=2 m=16
